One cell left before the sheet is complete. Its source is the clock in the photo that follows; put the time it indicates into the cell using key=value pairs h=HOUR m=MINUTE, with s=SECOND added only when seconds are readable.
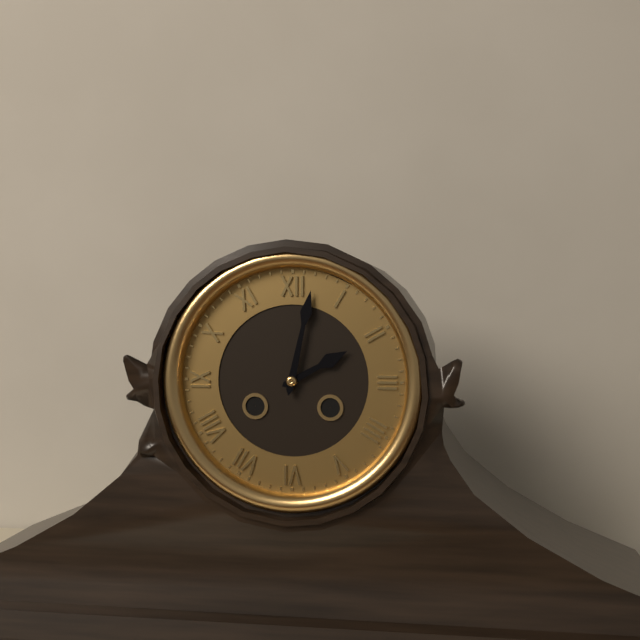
h=2 m=2
